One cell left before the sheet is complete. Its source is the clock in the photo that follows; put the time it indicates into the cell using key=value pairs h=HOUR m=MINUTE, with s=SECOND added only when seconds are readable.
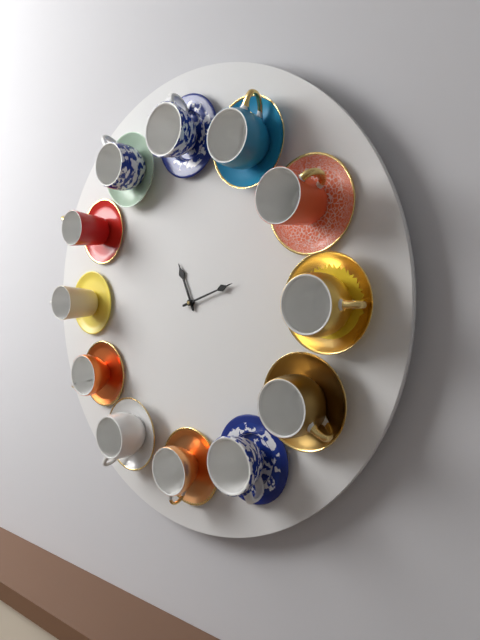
h=11 m=12
